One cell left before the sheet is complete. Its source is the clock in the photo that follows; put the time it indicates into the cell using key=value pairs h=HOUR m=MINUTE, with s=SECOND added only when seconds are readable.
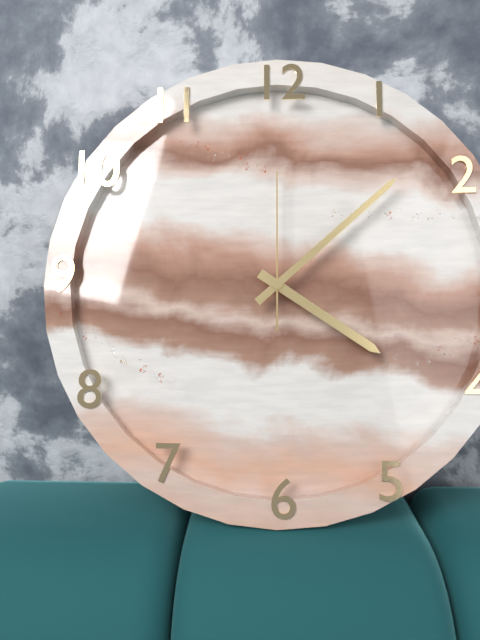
h=4 m=8 s=0
